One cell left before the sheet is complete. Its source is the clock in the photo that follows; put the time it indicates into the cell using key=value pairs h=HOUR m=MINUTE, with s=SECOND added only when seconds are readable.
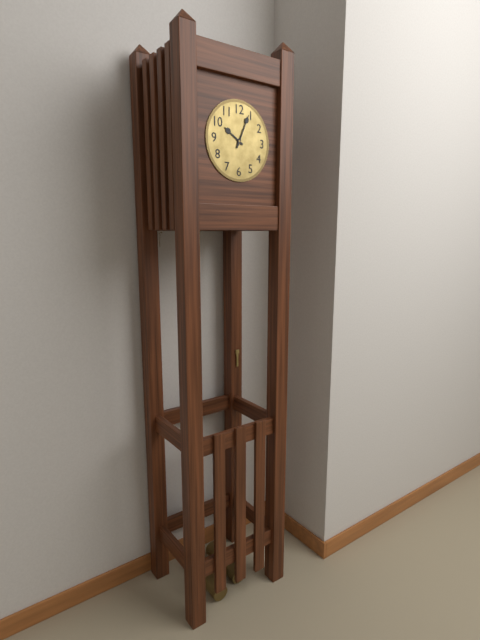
h=10 m=4
